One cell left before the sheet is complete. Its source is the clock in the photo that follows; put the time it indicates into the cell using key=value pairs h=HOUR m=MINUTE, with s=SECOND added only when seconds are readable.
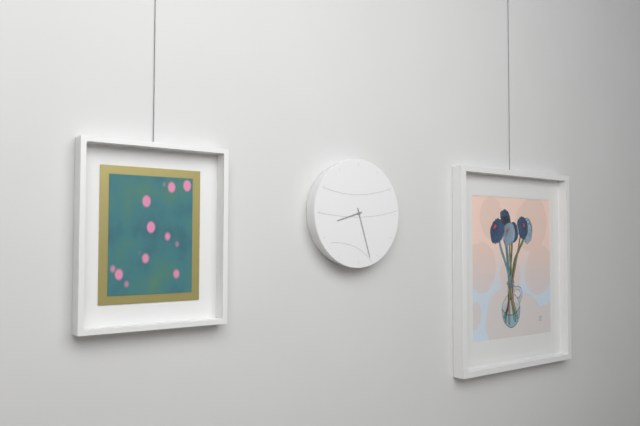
h=8 m=27
